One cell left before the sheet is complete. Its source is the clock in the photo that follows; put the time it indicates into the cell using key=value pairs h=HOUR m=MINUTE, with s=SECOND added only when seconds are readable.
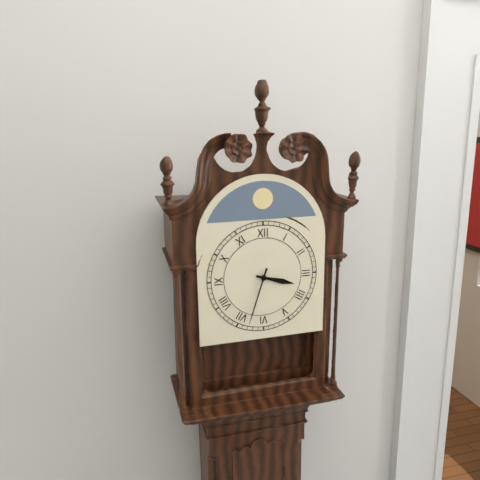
h=3 m=33
